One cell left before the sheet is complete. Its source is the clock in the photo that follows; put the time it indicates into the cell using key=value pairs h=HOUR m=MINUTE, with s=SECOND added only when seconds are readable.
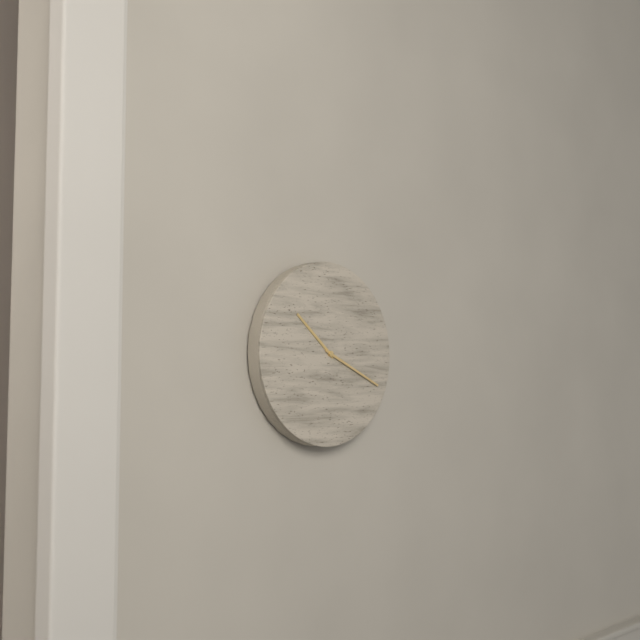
h=10 m=19
